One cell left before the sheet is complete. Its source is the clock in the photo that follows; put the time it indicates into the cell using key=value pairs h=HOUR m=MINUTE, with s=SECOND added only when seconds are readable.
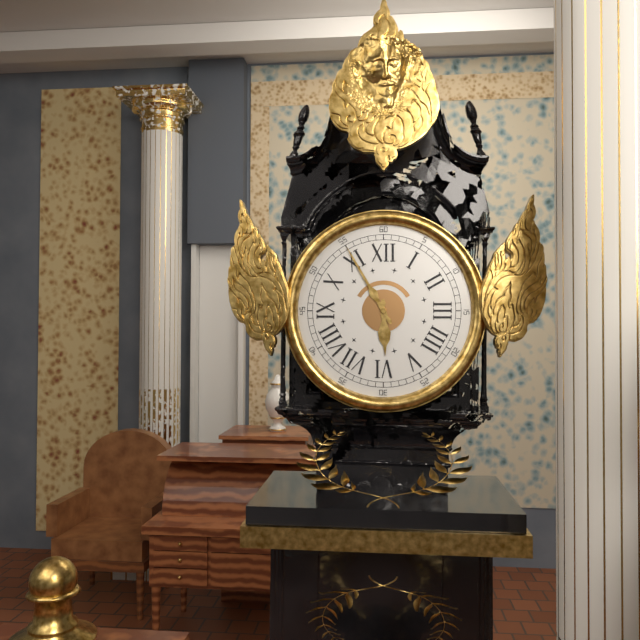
h=5 m=55
